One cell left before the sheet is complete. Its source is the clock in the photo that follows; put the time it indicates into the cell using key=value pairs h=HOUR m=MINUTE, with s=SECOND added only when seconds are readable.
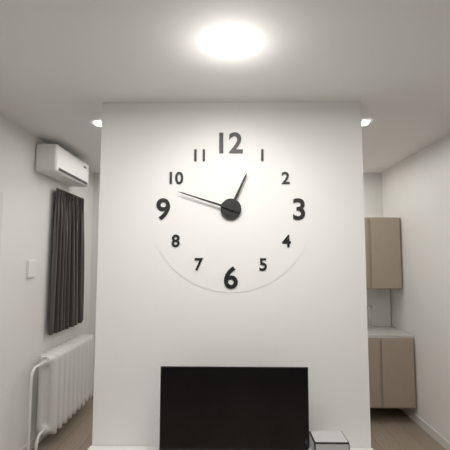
h=12 m=48
